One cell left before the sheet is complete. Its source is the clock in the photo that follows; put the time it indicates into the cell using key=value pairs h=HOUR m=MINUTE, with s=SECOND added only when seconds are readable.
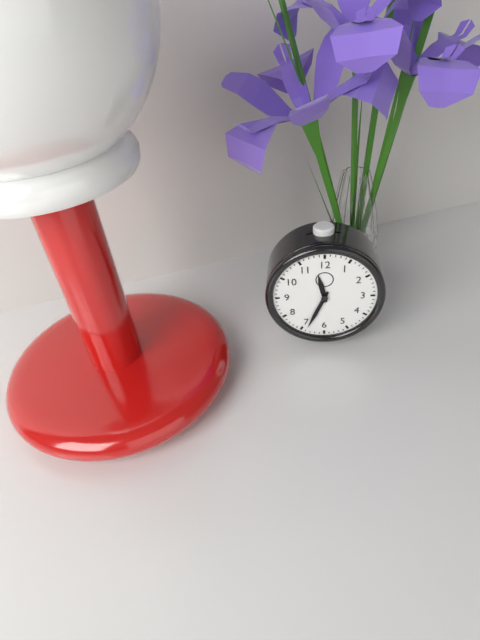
h=11 m=34
